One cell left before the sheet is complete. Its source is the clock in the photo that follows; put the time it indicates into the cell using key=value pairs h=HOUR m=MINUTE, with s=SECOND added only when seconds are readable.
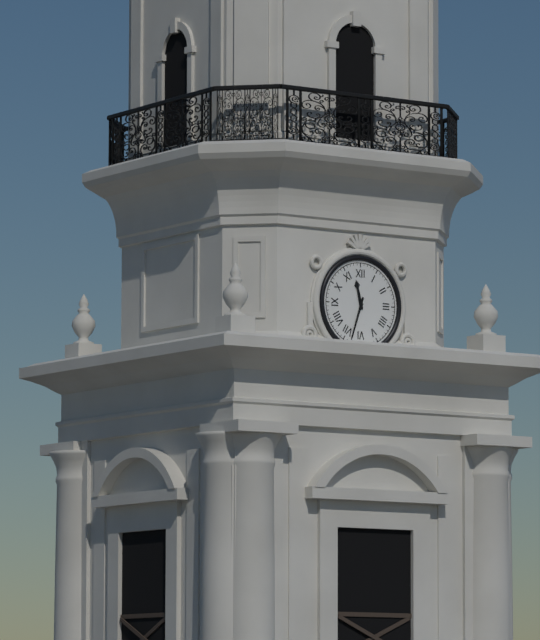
h=11 m=33
